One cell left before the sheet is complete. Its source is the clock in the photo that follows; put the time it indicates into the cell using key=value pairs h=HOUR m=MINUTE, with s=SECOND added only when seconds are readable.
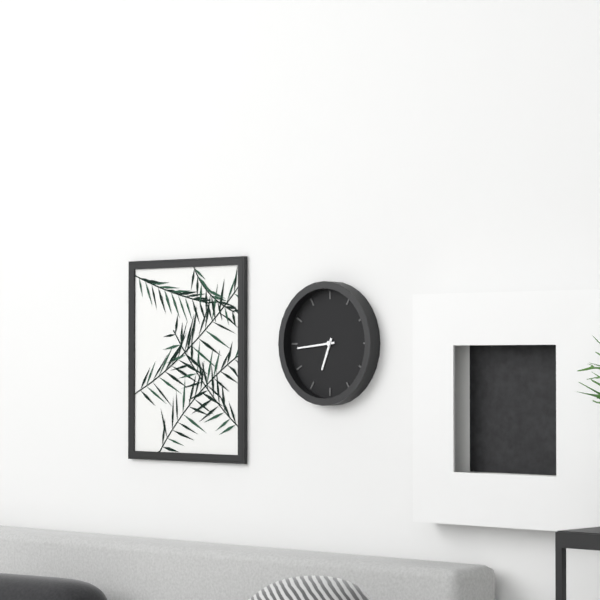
h=6 m=44
